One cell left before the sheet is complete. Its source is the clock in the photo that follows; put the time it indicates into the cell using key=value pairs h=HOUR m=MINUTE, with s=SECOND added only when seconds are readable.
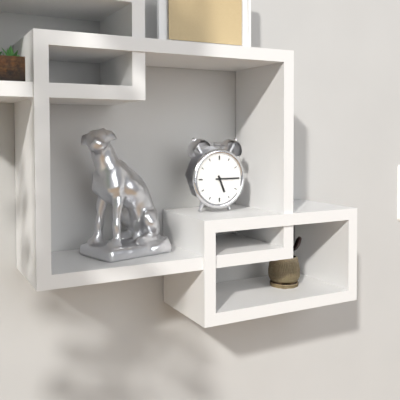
h=5 m=15
